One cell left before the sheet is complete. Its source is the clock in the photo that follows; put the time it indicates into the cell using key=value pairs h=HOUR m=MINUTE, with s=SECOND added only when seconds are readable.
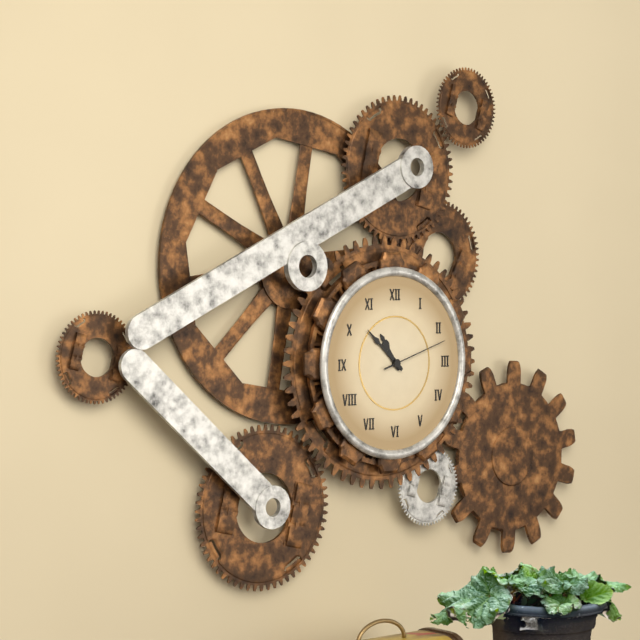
h=10 m=52 s=12
